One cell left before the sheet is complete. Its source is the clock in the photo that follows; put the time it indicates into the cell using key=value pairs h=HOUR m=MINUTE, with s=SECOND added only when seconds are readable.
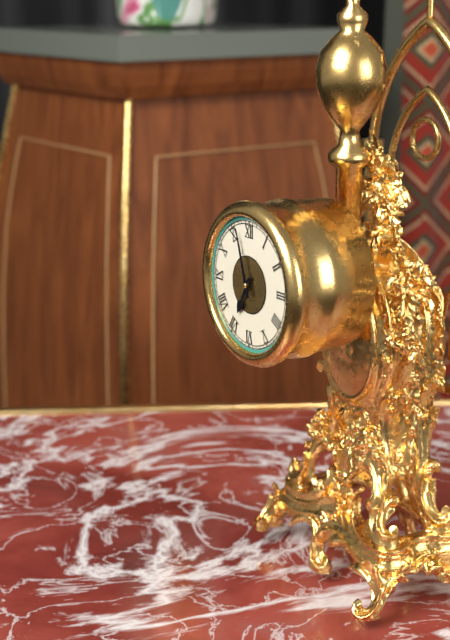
h=6 m=57
